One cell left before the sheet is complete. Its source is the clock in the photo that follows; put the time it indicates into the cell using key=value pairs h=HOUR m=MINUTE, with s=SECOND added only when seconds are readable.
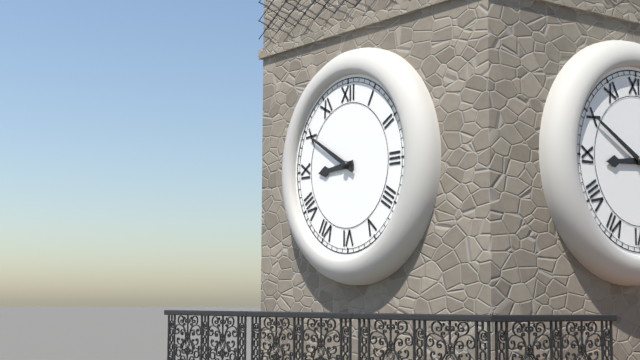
h=8 m=50
